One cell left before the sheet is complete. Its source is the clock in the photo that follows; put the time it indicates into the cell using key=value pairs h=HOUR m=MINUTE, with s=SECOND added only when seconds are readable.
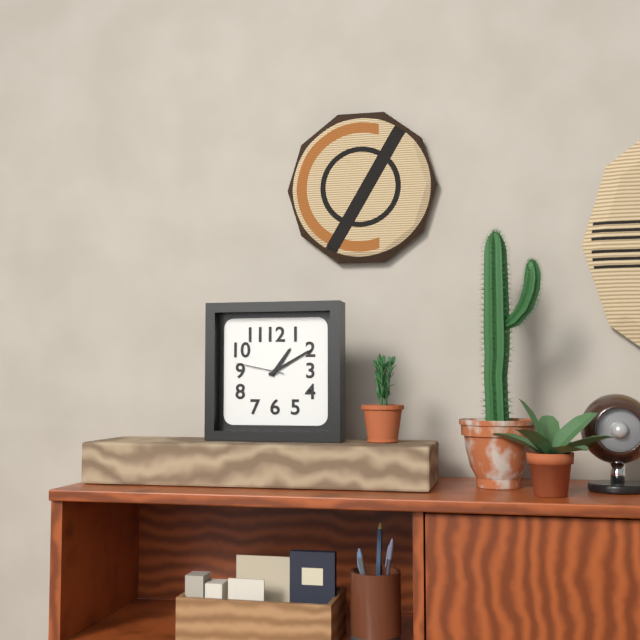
h=1 m=10 s=47
